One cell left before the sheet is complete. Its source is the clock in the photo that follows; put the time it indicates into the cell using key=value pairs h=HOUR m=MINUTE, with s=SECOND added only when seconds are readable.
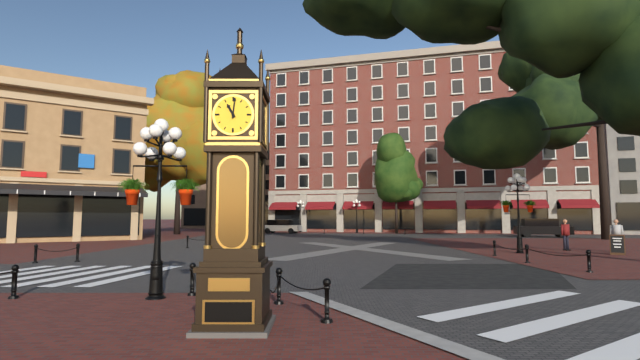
h=11 m=1
